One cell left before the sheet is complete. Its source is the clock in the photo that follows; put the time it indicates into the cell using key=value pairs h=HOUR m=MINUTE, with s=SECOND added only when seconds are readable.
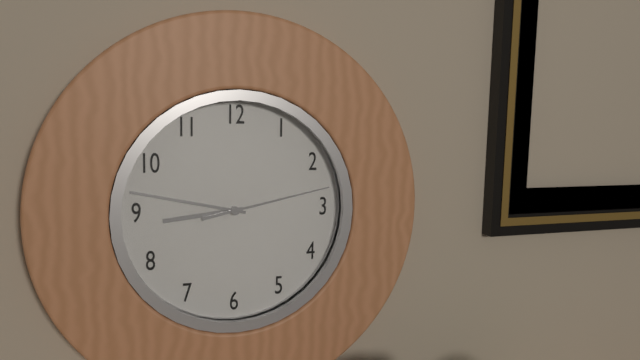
h=8 m=47 s=13
